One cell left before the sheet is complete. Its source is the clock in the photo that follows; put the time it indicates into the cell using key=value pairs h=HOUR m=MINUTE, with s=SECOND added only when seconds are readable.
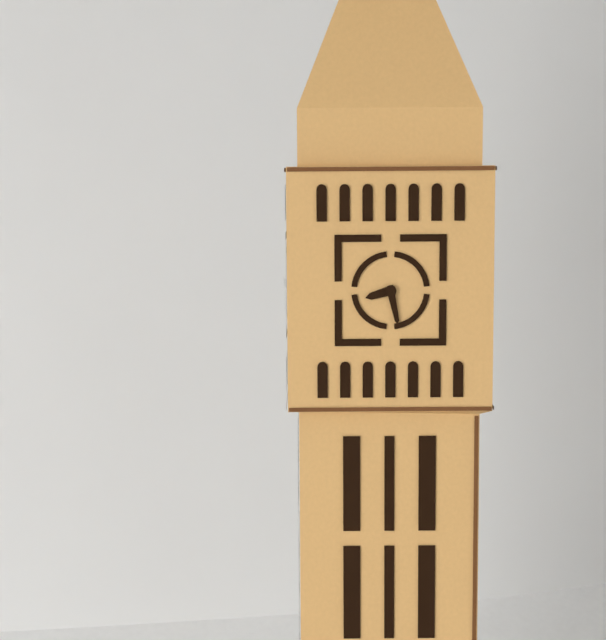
h=8 m=28
